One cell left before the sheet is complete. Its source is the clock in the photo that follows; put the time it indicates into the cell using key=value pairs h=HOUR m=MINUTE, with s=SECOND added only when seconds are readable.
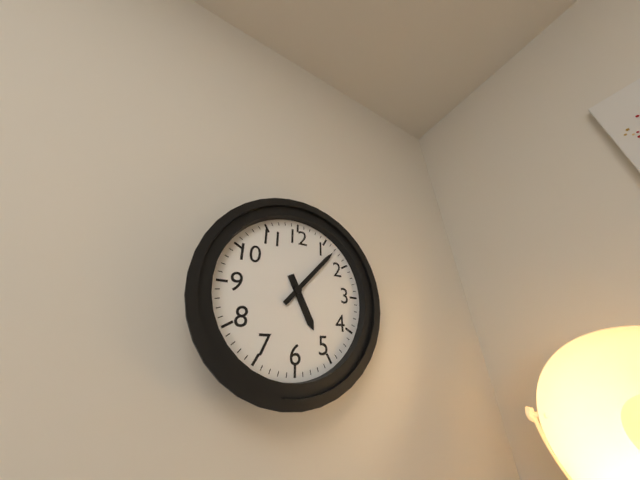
h=5 m=7
